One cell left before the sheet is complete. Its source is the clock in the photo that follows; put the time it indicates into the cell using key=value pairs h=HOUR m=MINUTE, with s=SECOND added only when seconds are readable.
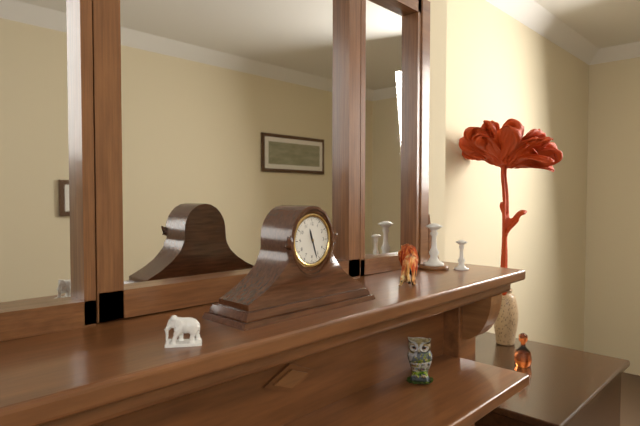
h=11 m=27
